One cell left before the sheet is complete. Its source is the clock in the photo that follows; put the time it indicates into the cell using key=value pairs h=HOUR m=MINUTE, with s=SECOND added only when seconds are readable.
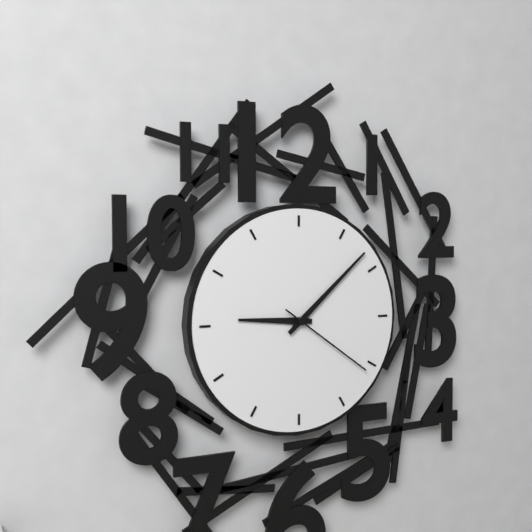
h=9 m=8 s=21
